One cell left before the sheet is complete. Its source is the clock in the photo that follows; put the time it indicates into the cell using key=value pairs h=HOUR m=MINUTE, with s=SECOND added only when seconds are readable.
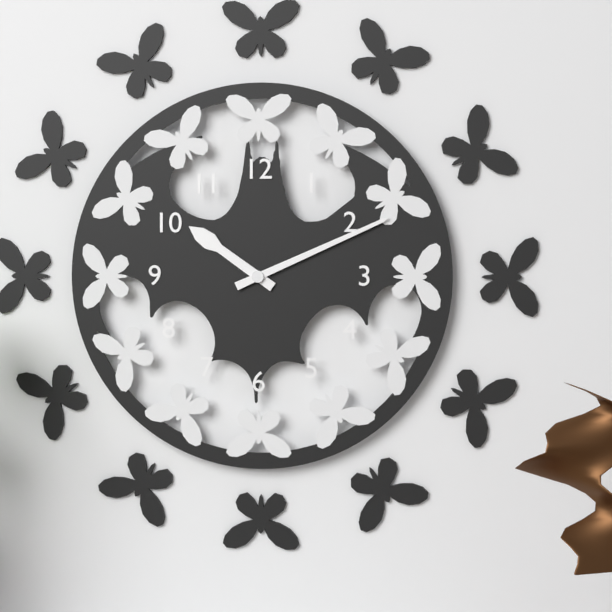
h=10 m=11
